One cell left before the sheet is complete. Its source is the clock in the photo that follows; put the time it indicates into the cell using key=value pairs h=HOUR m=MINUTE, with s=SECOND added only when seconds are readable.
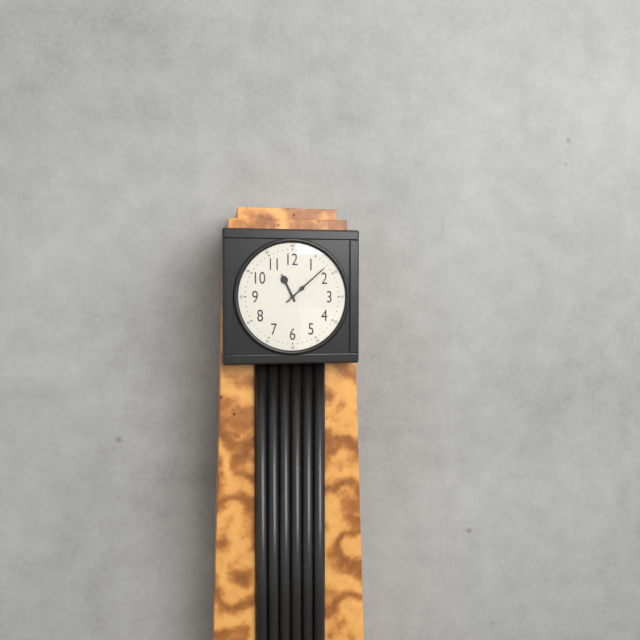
h=11 m=8
